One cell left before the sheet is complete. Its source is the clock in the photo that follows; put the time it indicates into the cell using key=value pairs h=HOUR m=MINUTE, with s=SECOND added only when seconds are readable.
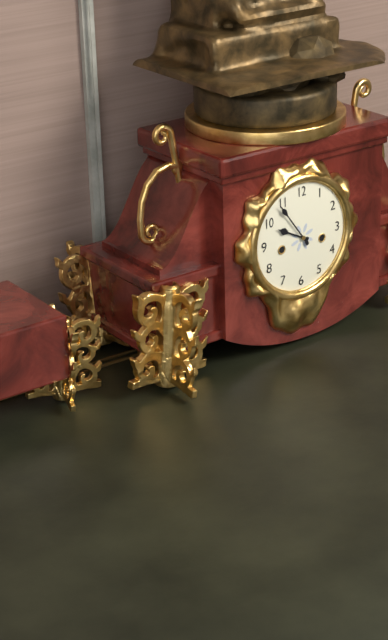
h=9 m=54
